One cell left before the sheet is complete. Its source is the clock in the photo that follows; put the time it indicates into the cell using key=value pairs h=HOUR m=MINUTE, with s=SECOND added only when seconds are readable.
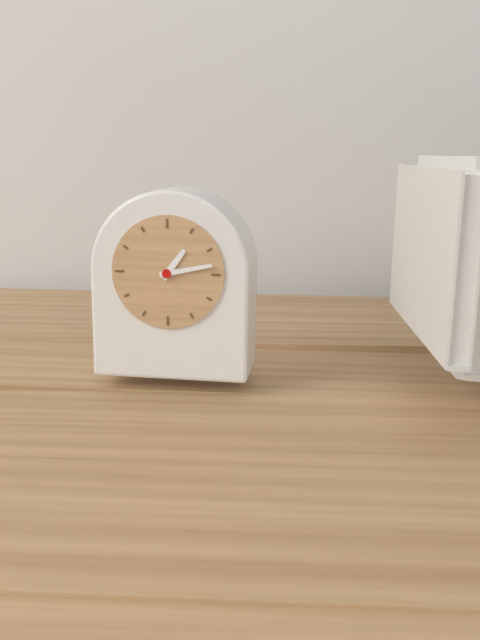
h=1 m=13
